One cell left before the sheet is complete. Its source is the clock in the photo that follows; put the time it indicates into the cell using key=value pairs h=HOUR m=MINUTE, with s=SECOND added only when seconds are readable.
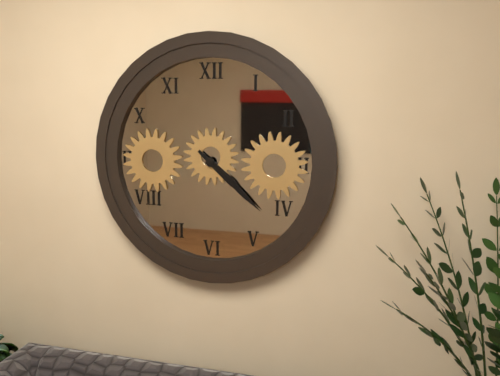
h=4 m=22
